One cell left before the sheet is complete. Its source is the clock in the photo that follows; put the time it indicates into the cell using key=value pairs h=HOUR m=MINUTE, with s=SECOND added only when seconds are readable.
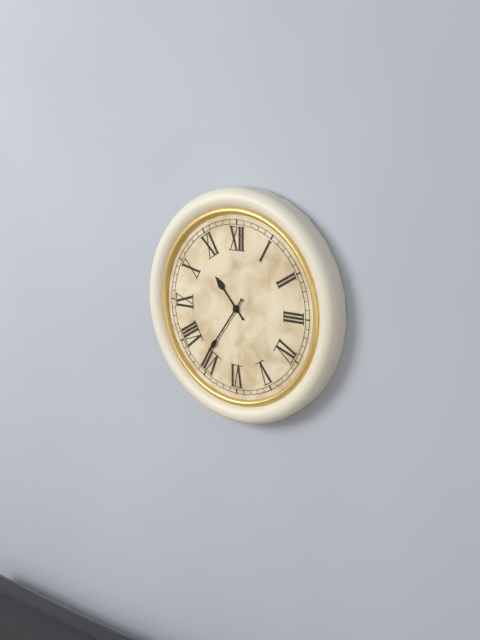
h=10 m=36
